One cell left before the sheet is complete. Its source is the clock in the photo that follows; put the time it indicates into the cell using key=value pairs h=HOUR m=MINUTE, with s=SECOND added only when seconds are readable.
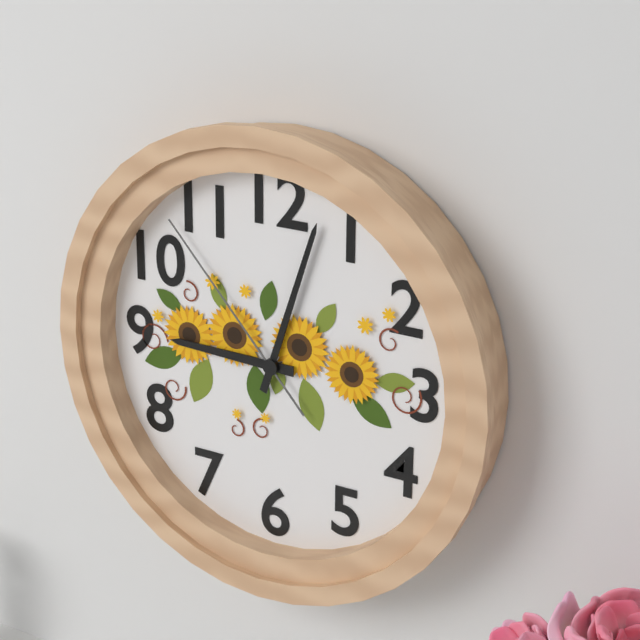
h=9 m=3 s=53
